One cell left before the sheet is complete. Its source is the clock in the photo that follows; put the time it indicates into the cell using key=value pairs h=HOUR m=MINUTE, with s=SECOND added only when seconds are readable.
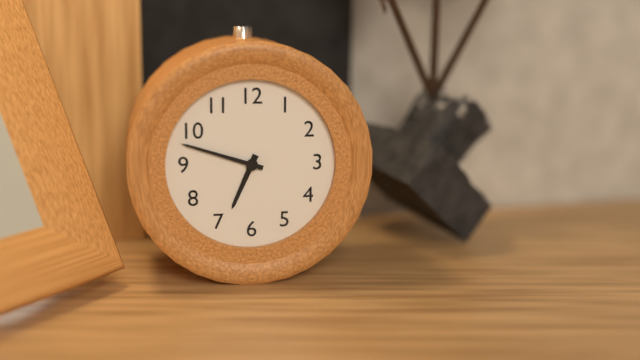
h=6 m=48
